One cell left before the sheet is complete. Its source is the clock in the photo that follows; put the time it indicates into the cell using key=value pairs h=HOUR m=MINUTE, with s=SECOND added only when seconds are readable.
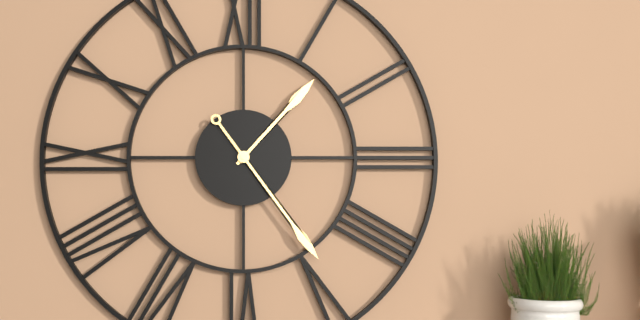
h=1 m=24
